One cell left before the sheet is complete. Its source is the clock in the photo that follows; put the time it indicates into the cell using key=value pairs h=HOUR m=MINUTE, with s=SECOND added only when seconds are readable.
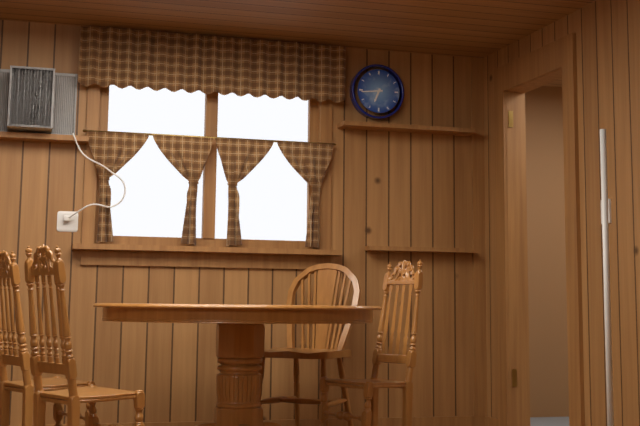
h=6 m=44
